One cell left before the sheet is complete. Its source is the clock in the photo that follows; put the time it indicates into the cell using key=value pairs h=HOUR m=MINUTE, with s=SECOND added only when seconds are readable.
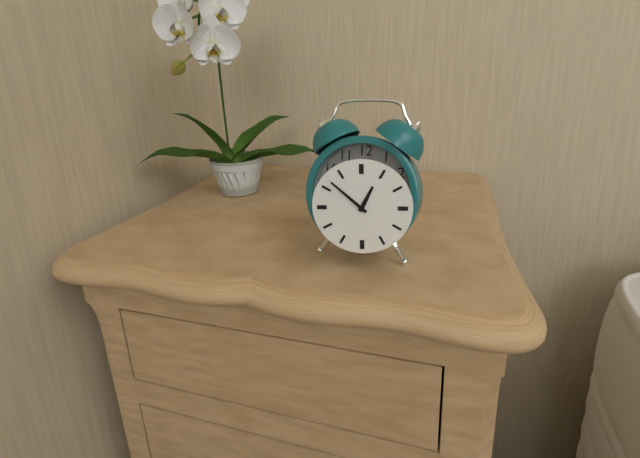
h=12 m=52
